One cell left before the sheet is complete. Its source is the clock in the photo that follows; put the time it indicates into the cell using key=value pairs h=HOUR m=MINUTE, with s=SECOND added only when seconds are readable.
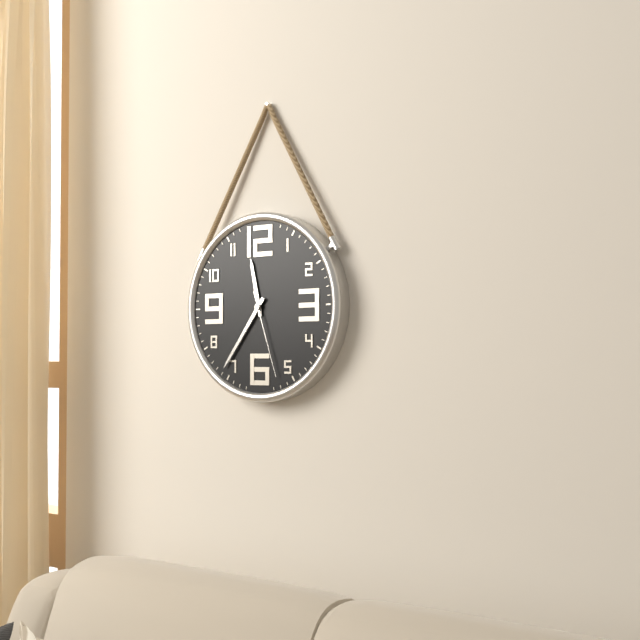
h=11 m=36 s=27
